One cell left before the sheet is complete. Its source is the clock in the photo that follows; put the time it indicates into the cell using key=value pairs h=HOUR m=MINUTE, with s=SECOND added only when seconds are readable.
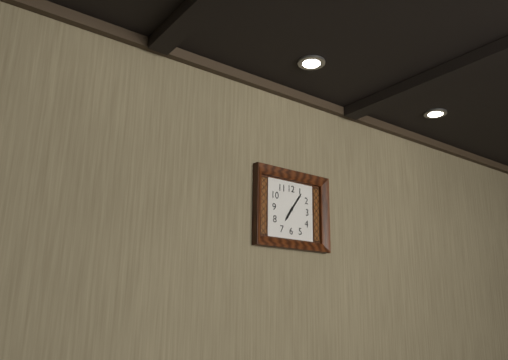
h=7 m=6
